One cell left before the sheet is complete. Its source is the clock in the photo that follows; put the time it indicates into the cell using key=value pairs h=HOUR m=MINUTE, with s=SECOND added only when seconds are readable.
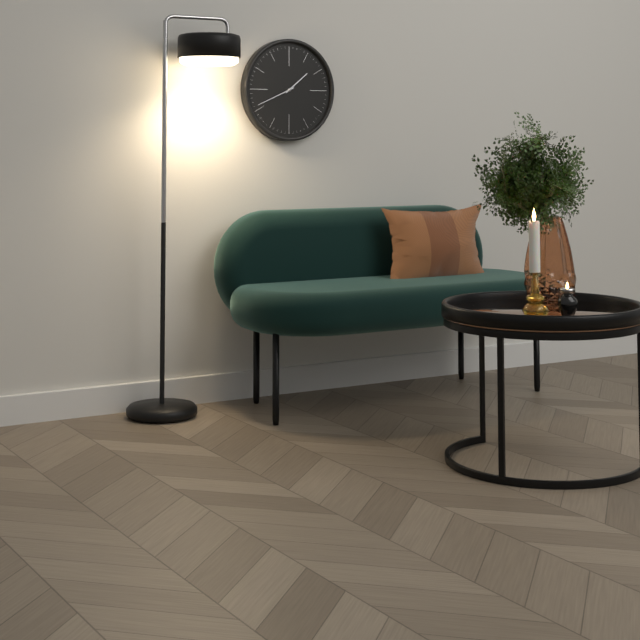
h=1 m=41
